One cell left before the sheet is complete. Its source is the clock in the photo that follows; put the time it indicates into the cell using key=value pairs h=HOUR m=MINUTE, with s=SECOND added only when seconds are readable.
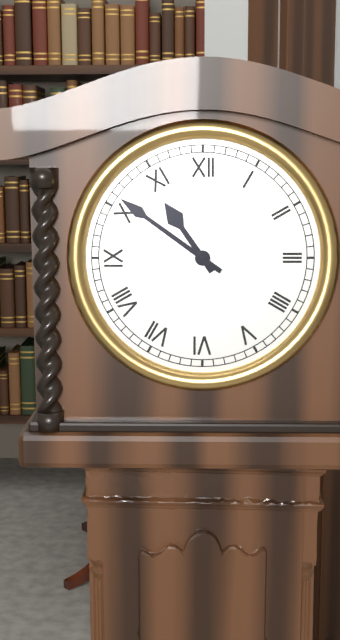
h=10 m=51
